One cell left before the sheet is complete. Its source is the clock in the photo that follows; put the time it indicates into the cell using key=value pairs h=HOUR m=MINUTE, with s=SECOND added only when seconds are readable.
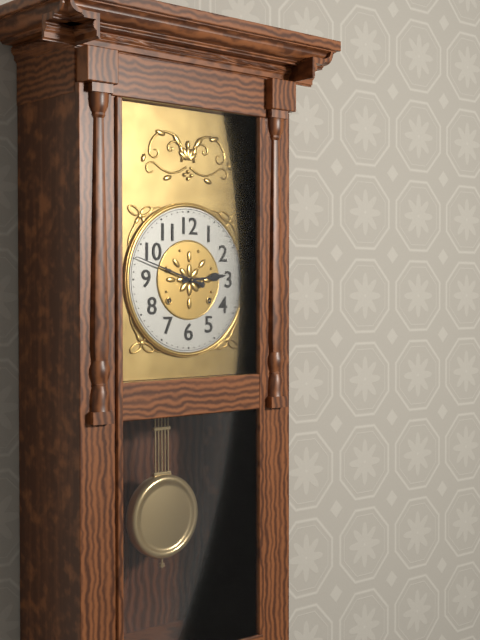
h=2 m=48
